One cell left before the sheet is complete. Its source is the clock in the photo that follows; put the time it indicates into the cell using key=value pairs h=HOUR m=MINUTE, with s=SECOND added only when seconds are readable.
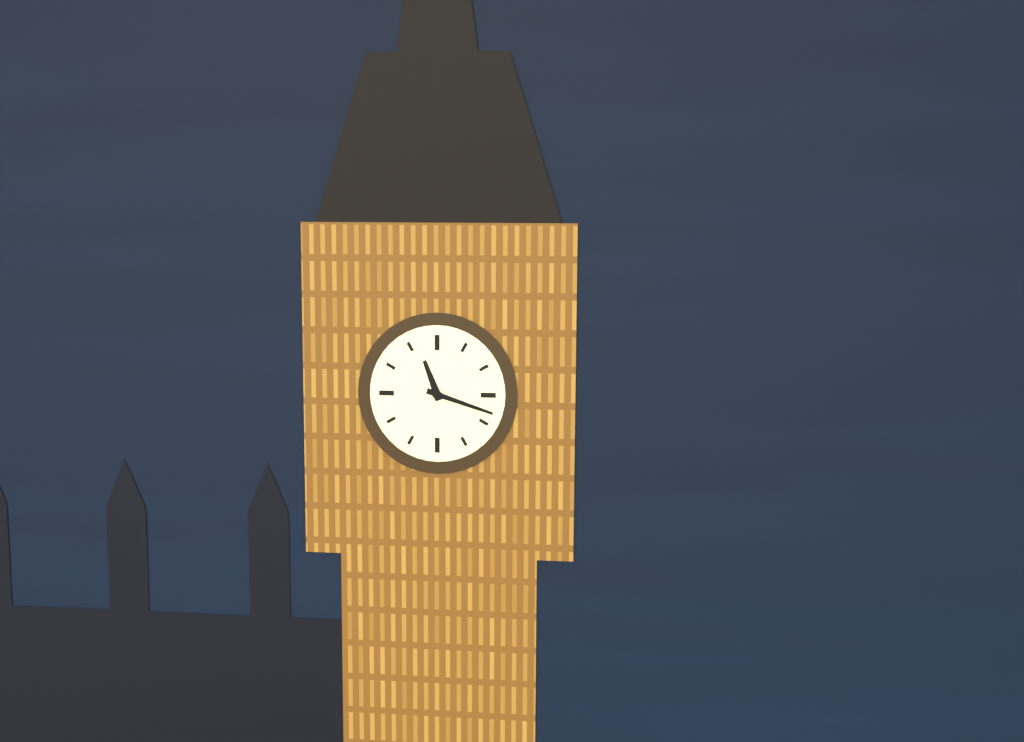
h=11 m=18
